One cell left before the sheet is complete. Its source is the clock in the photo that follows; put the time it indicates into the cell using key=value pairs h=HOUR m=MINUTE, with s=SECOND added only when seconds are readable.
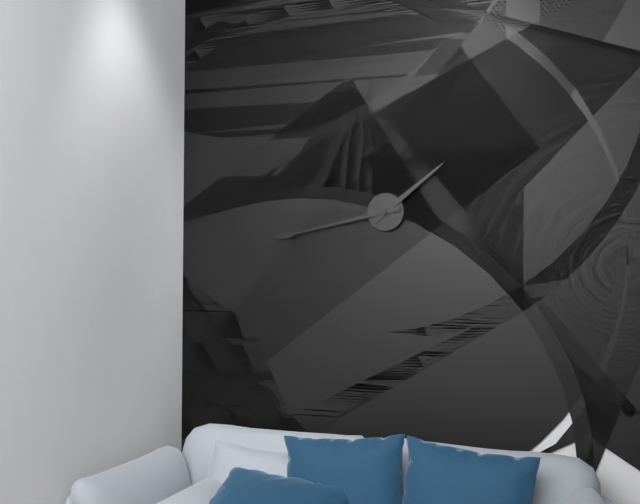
h=1 m=43
